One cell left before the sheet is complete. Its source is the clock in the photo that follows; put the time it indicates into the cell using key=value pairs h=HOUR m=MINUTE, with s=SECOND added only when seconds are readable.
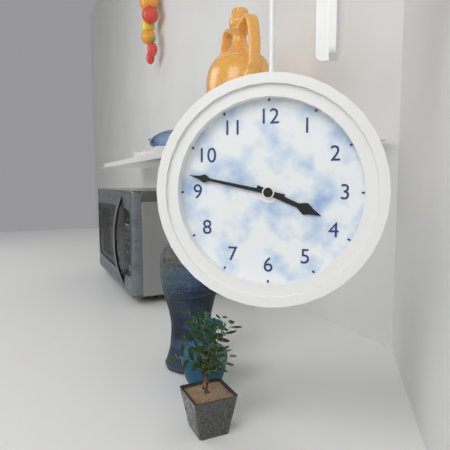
h=3 m=47
